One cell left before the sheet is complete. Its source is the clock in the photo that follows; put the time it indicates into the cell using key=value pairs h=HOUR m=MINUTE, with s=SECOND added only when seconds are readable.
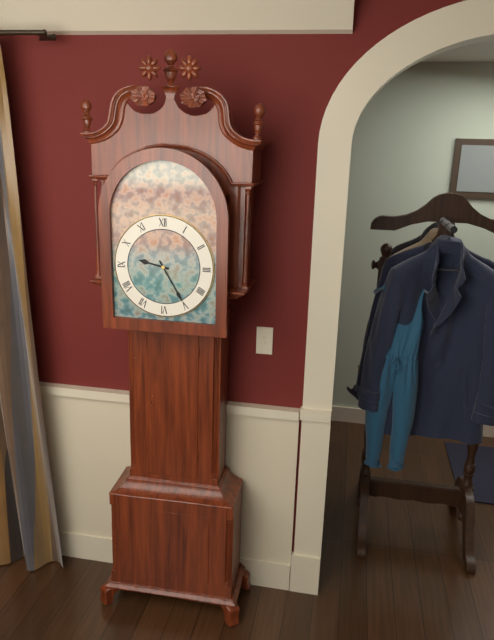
h=9 m=25
